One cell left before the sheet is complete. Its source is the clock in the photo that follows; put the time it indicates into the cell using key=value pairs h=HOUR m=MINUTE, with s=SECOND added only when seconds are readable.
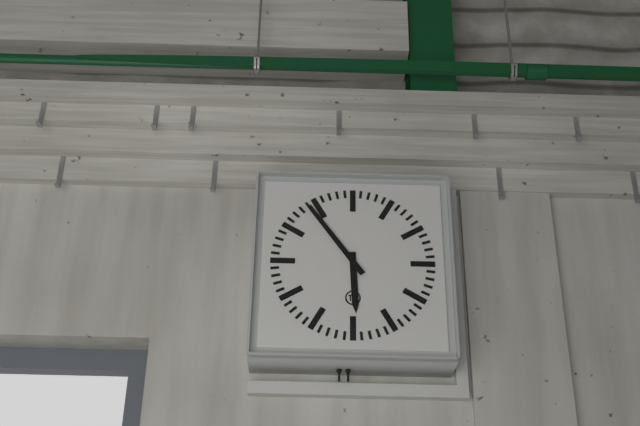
h=5 m=54
